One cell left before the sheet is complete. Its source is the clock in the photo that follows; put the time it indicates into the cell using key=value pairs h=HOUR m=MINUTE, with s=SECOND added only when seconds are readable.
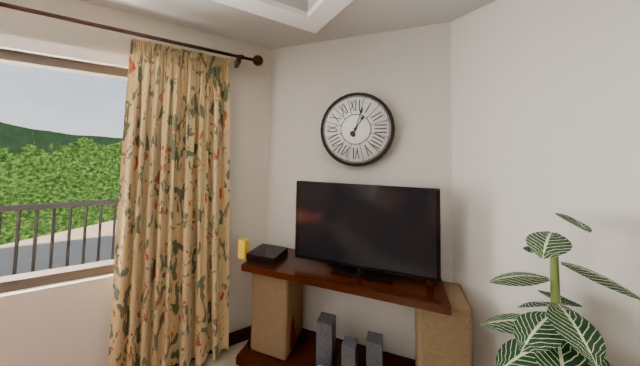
h=1 m=3
